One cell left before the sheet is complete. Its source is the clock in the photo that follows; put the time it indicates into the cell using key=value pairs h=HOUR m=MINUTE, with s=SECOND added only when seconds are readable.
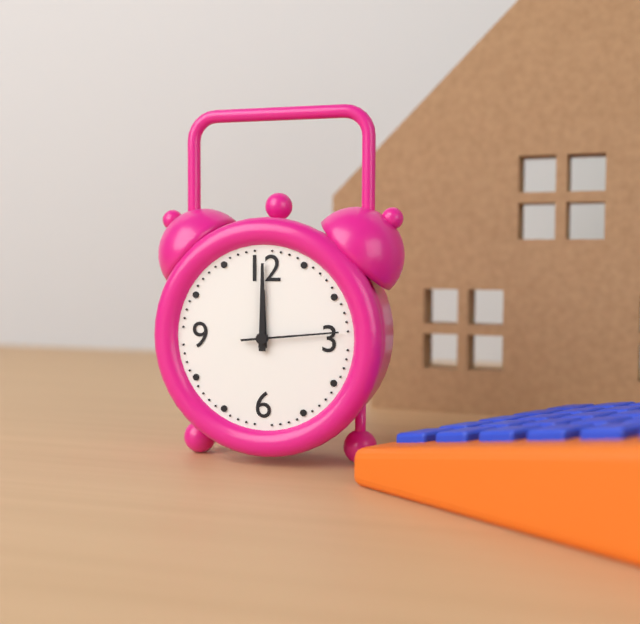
h=12 m=0 s=14
